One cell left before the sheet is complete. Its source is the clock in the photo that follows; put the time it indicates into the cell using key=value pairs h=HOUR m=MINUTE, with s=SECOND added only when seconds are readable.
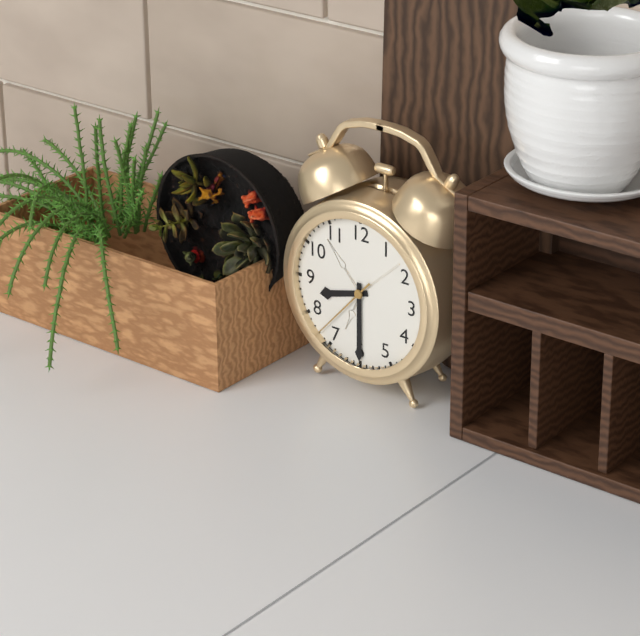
h=8 m=30 s=37
